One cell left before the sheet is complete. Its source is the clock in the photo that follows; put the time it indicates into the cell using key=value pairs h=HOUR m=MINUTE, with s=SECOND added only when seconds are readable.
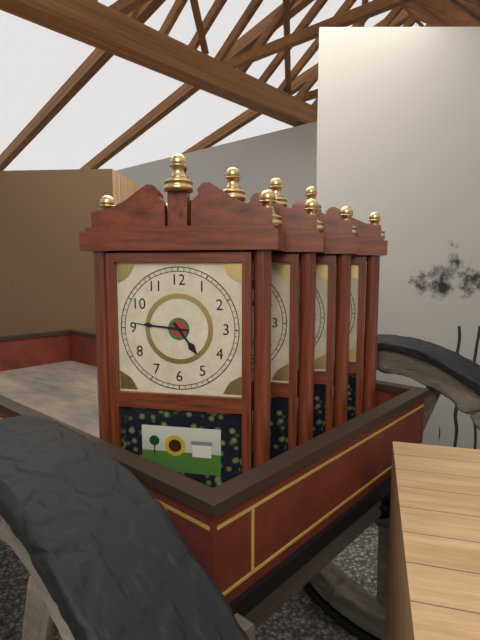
h=4 m=46
